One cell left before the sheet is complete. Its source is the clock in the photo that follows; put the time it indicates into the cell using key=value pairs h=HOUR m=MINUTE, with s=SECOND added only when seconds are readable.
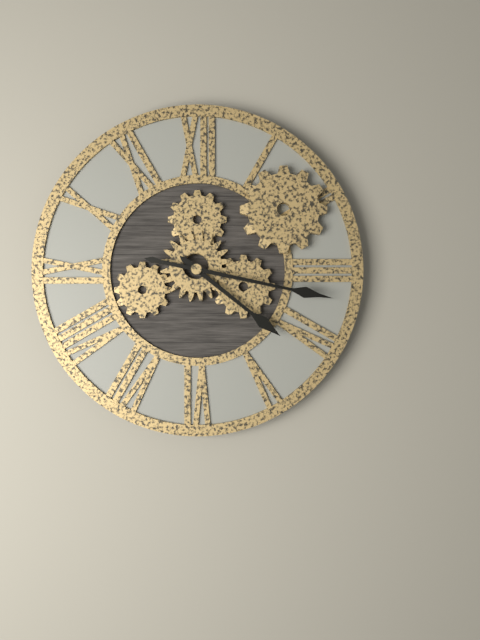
h=4 m=17
